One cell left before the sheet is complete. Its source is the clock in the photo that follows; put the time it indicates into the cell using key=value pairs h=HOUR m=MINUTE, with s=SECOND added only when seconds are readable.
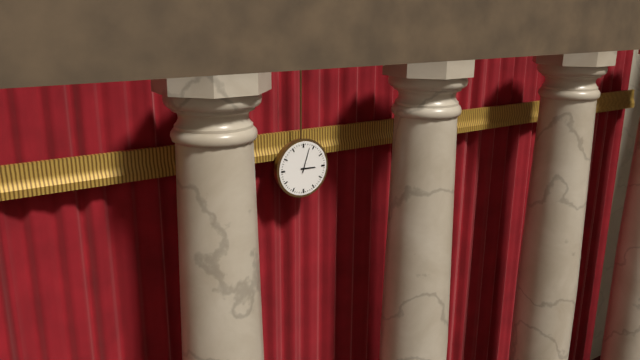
h=3 m=3
